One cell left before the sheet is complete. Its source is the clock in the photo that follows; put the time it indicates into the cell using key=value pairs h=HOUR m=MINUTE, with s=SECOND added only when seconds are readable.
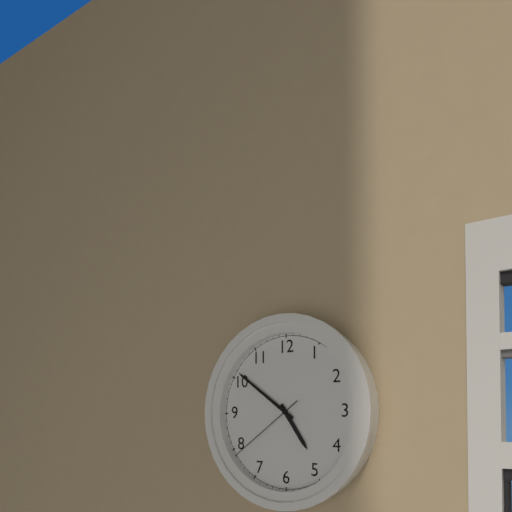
h=4 m=51 s=39
